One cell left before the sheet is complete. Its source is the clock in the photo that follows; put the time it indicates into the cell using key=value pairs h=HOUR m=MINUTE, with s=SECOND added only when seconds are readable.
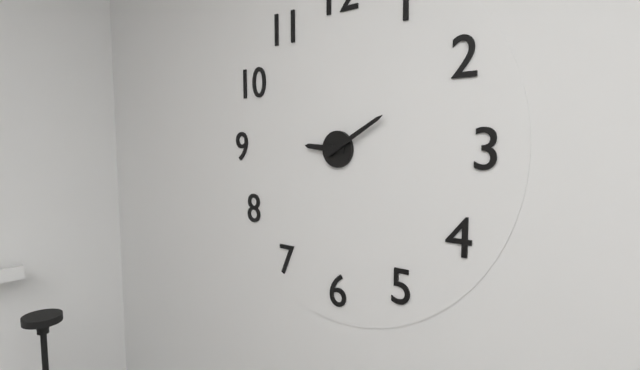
h=9 m=10
